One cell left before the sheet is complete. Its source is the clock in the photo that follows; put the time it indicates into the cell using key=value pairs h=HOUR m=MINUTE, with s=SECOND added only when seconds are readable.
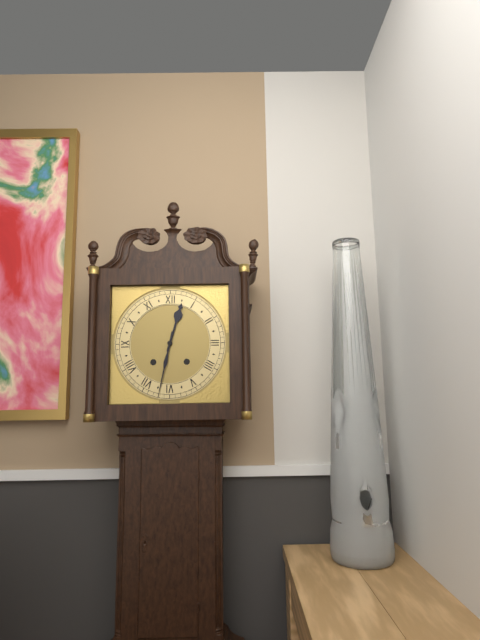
h=12 m=32
